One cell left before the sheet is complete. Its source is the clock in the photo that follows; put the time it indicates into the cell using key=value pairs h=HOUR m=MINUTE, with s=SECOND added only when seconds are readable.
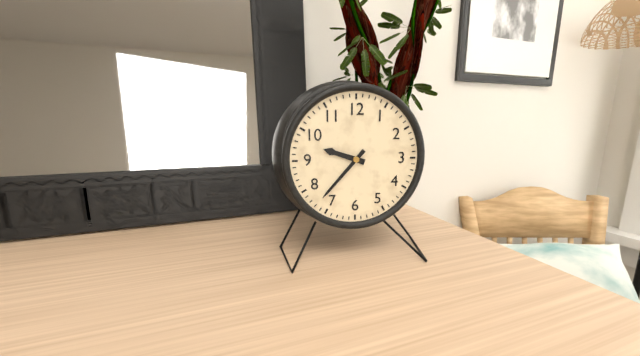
h=9 m=37
